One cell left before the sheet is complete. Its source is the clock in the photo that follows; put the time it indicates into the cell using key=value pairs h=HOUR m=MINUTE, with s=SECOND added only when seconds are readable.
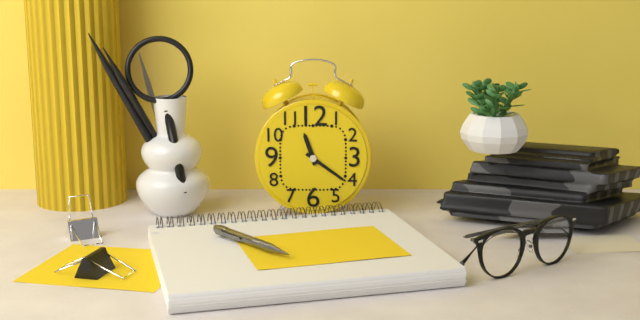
h=11 m=21
